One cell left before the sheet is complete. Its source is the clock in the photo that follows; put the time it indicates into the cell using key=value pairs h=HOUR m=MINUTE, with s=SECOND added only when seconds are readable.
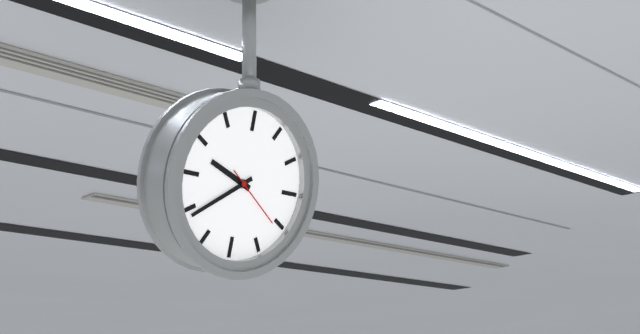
h=9 m=39 s=21
